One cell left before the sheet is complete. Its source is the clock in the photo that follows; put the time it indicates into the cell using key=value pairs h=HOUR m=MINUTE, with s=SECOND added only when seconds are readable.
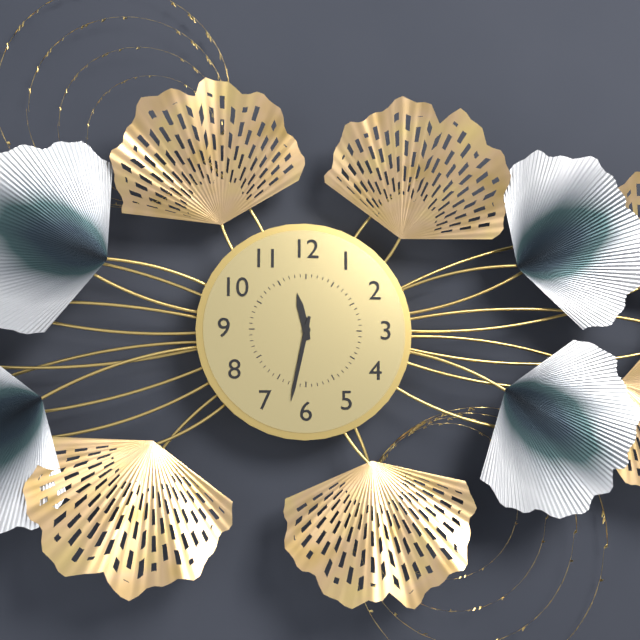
h=11 m=32
